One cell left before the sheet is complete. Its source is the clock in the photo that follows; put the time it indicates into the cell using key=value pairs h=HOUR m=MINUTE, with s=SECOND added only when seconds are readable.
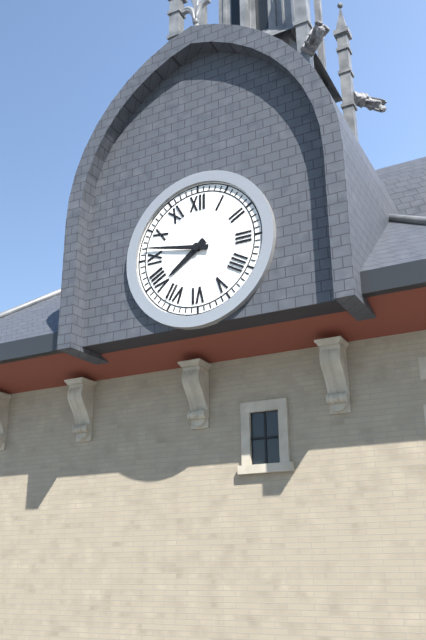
h=7 m=47
